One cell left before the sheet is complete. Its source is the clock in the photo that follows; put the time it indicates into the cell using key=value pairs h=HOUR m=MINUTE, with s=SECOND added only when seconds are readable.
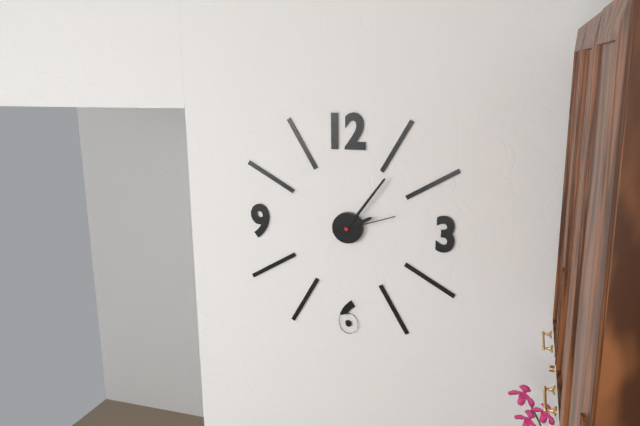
h=2 m=6 s=12
